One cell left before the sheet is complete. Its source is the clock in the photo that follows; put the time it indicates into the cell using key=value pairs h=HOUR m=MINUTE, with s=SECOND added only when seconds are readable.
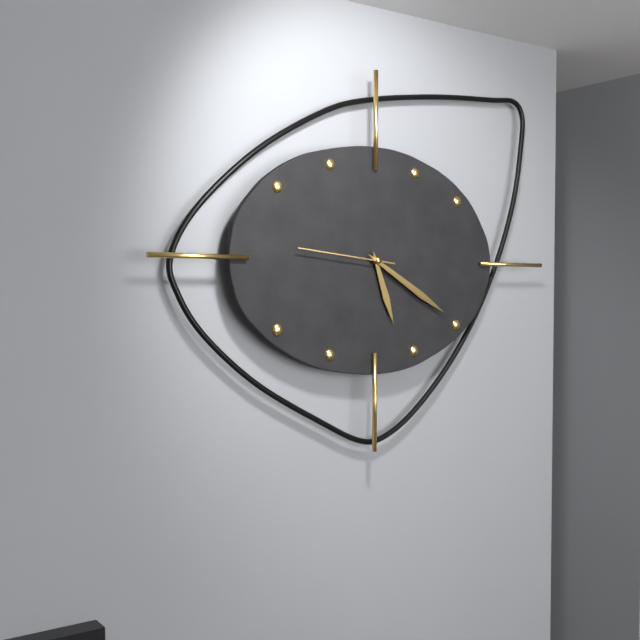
h=5 m=20 s=46
